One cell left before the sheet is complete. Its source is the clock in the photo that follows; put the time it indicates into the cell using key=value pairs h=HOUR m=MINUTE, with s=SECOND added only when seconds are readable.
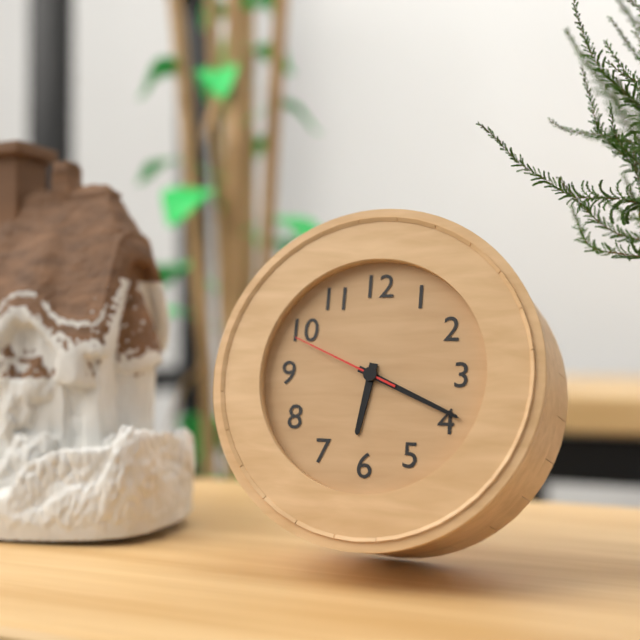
h=6 m=19 s=49
